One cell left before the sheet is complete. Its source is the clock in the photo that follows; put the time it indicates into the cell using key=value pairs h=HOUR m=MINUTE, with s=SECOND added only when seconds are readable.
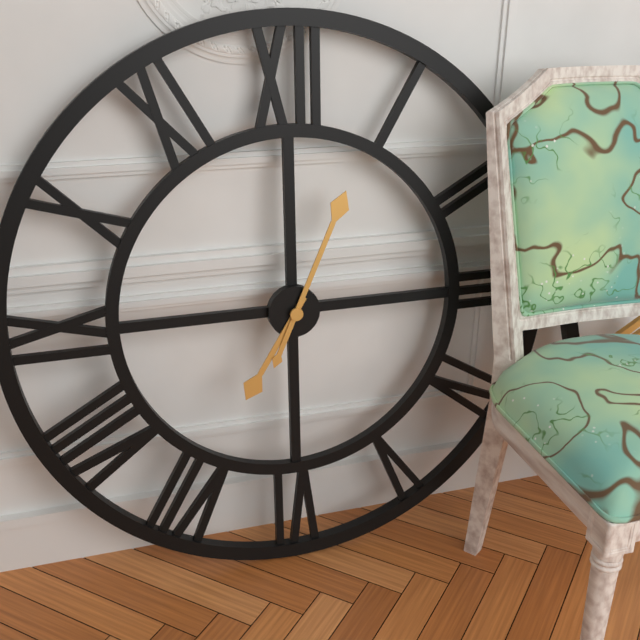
h=7 m=4
